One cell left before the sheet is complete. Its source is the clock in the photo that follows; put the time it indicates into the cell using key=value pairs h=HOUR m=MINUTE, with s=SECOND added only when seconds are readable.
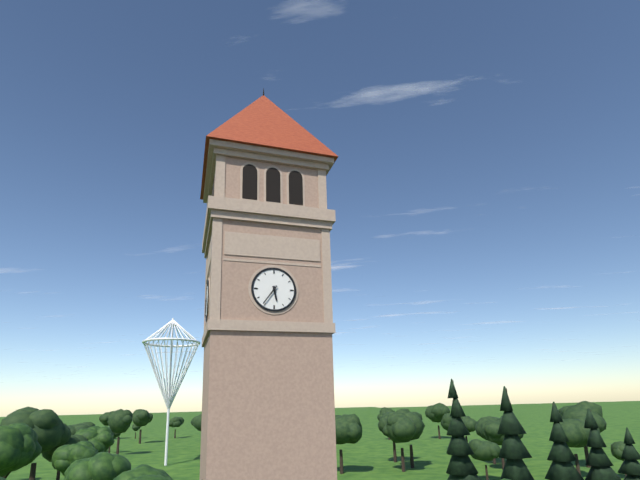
h=5 m=36
